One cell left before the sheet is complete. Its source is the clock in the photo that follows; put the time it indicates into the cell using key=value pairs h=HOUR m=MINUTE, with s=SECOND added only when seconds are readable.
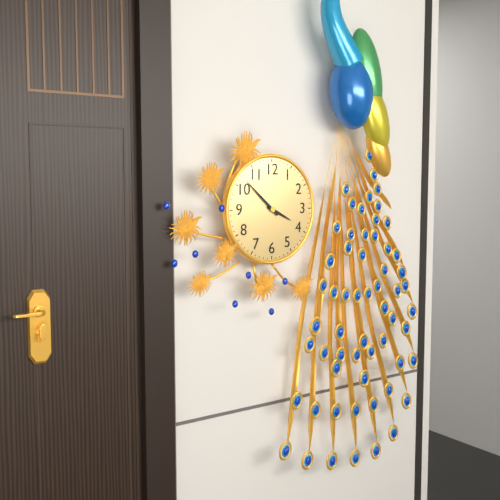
h=3 m=52
